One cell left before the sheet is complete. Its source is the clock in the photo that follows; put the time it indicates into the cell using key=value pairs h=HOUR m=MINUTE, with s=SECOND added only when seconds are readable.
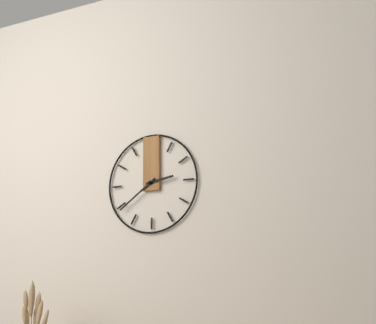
h=2 m=39
